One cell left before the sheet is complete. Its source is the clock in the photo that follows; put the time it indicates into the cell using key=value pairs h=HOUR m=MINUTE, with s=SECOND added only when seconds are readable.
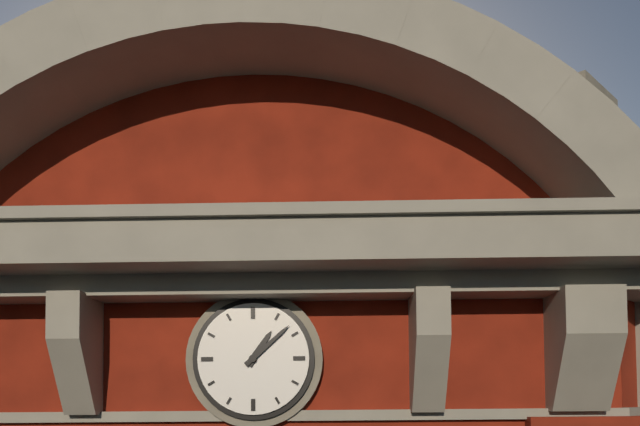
h=1 m=8
